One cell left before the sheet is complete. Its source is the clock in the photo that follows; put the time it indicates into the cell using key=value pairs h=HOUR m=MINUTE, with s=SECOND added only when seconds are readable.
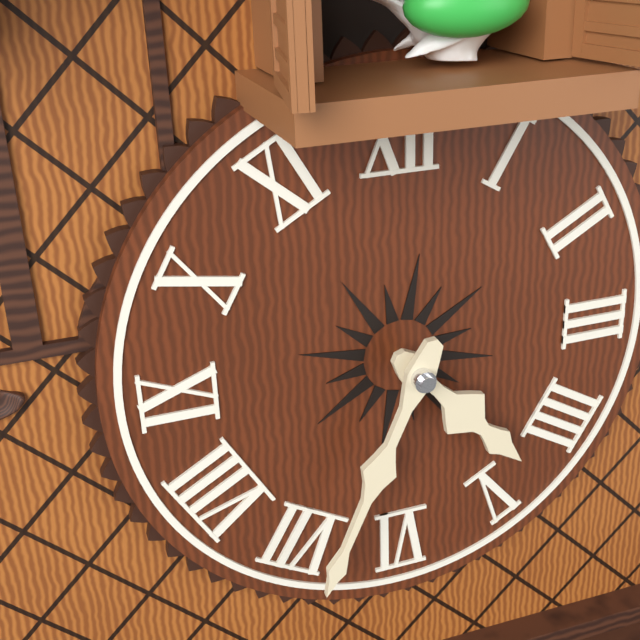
h=4 m=34
